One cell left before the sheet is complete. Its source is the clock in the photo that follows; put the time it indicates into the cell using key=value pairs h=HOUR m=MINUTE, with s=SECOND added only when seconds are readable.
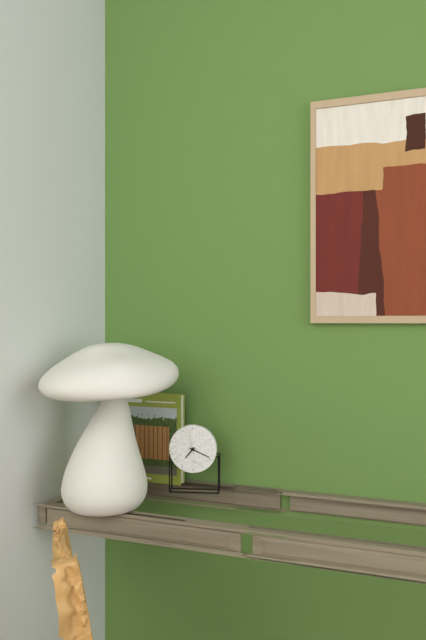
h=7 m=19
